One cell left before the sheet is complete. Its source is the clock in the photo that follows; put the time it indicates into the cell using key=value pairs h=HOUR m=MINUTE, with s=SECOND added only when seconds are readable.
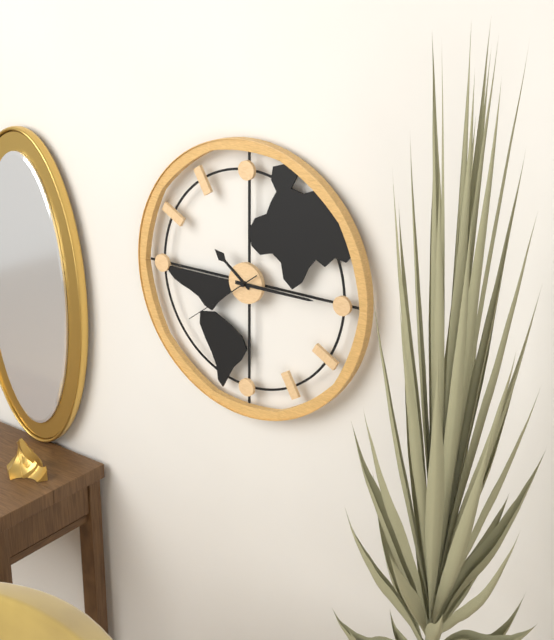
h=10 m=15 s=39
